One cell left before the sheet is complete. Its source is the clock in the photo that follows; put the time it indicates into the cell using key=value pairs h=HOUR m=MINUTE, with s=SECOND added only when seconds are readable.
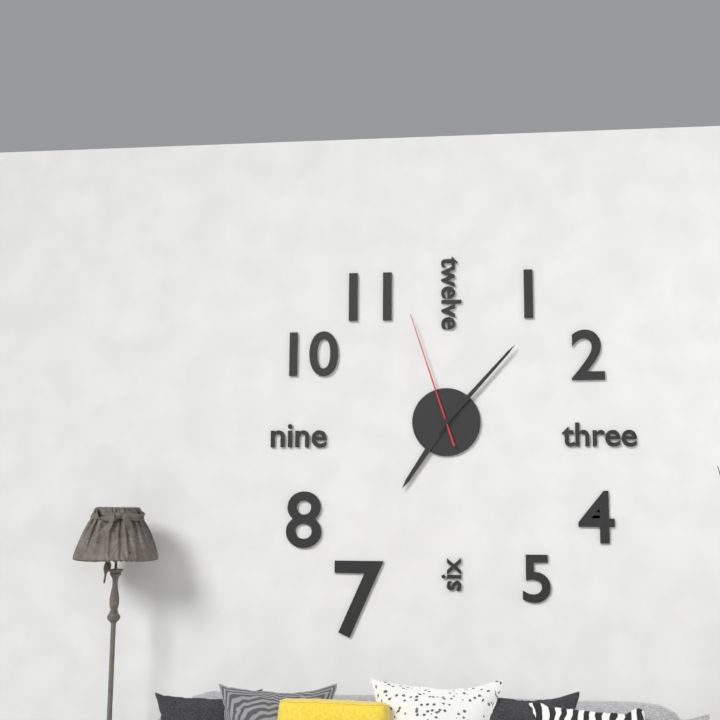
h=7 m=7 s=57
